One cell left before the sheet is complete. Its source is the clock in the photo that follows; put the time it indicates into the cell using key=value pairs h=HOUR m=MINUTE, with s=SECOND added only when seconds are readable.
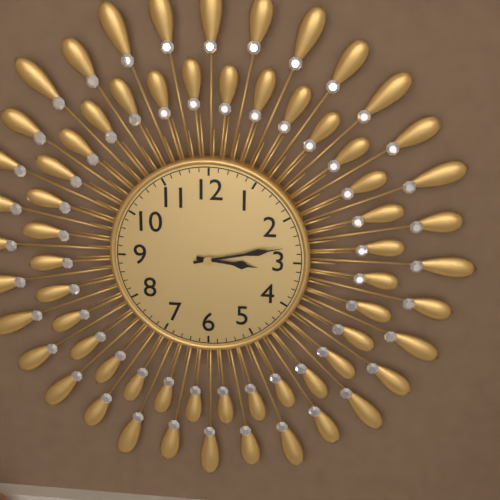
h=3 m=13
